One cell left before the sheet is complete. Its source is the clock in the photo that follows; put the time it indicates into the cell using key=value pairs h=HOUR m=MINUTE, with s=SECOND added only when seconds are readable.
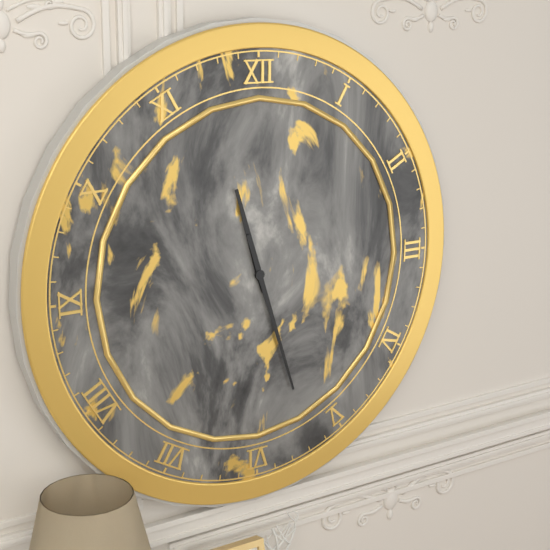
h=11 m=27
